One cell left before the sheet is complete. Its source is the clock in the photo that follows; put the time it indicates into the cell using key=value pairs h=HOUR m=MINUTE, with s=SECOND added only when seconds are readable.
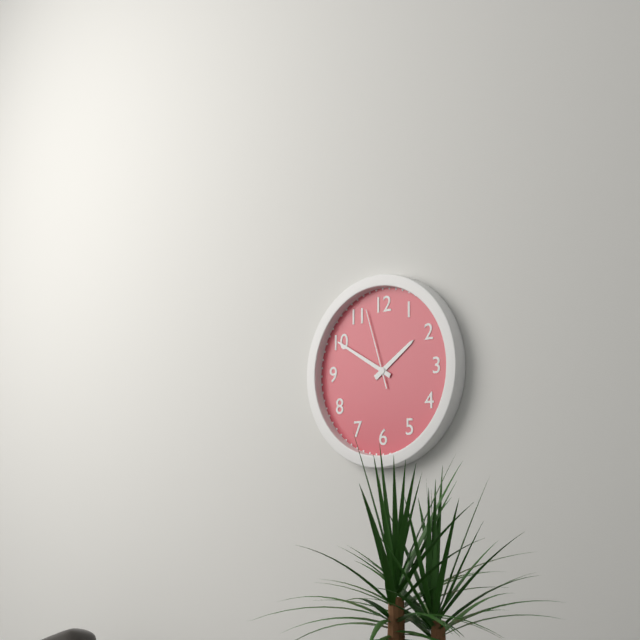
h=1 m=50 s=57
